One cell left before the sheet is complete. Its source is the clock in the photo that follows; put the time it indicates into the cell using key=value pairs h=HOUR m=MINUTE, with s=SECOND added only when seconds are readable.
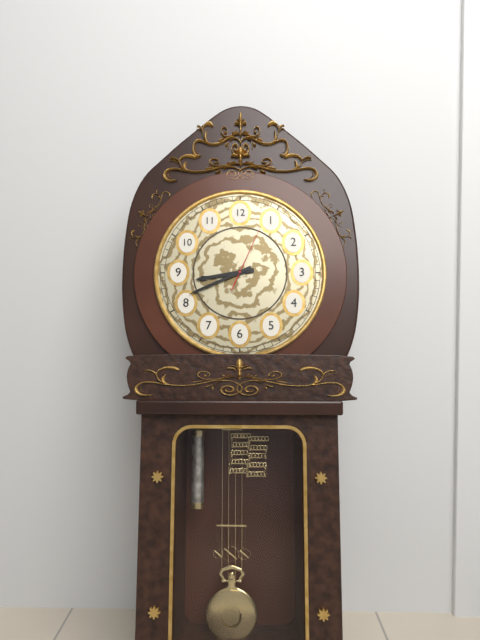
h=8 m=41 s=4
